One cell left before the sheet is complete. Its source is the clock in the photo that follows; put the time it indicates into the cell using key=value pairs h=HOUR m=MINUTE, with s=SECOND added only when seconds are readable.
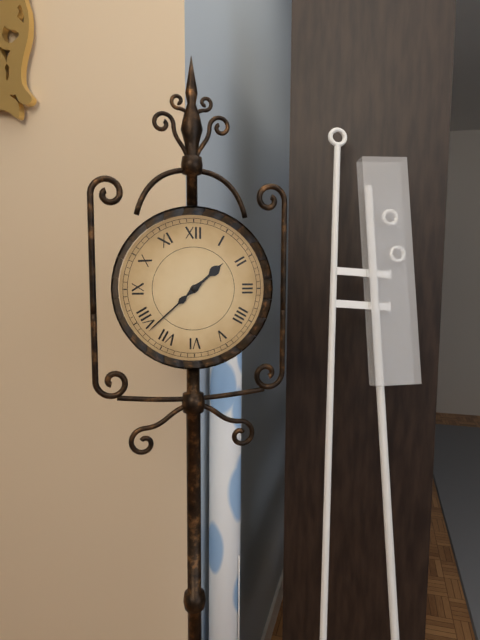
h=1 m=38
